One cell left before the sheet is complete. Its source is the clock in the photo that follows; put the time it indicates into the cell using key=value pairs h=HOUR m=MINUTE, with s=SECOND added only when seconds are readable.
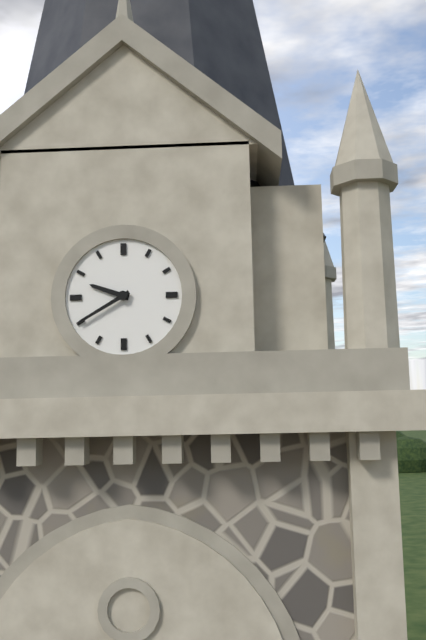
h=9 m=40
